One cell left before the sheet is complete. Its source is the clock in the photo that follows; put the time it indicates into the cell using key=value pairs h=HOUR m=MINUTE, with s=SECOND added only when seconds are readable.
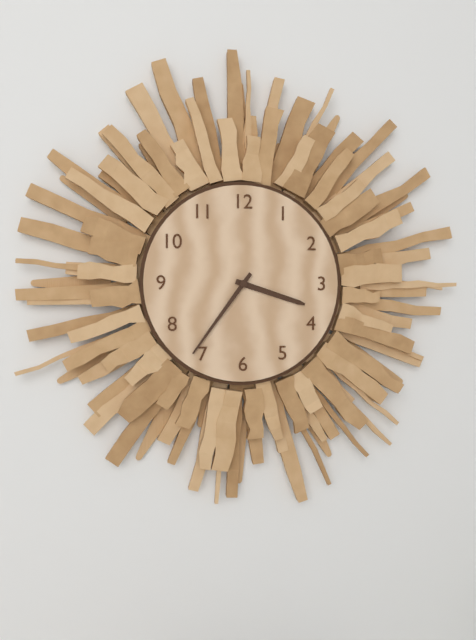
h=3 m=36
